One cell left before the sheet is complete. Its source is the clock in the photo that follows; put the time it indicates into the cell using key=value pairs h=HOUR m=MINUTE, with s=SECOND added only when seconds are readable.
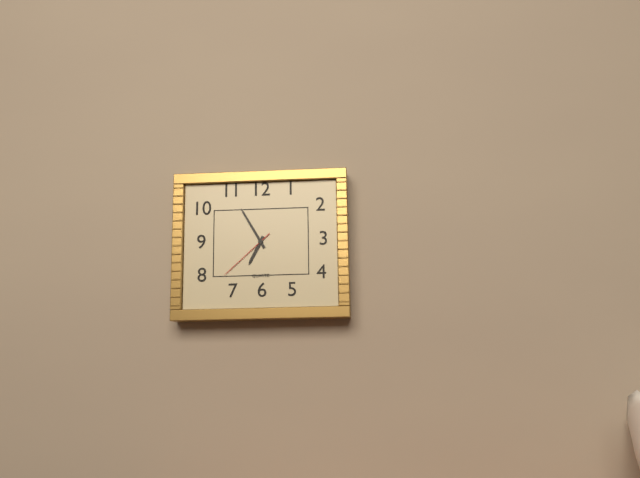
h=6 m=55 s=38
